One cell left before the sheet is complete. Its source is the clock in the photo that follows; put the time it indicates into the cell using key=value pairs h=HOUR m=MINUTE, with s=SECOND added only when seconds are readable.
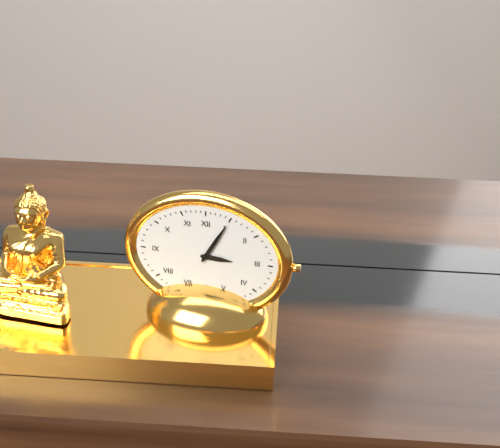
h=3 m=5
